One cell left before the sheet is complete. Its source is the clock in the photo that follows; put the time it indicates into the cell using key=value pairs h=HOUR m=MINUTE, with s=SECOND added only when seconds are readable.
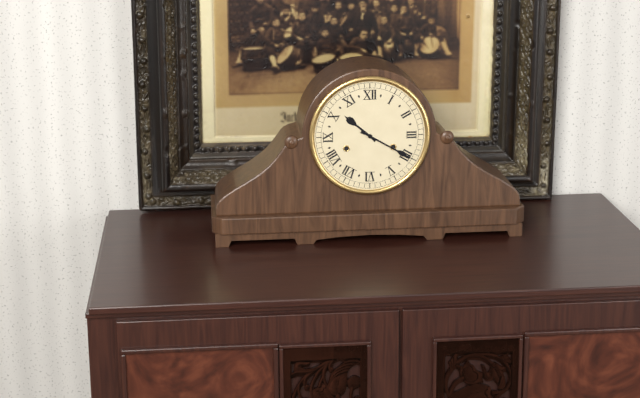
h=10 m=20
